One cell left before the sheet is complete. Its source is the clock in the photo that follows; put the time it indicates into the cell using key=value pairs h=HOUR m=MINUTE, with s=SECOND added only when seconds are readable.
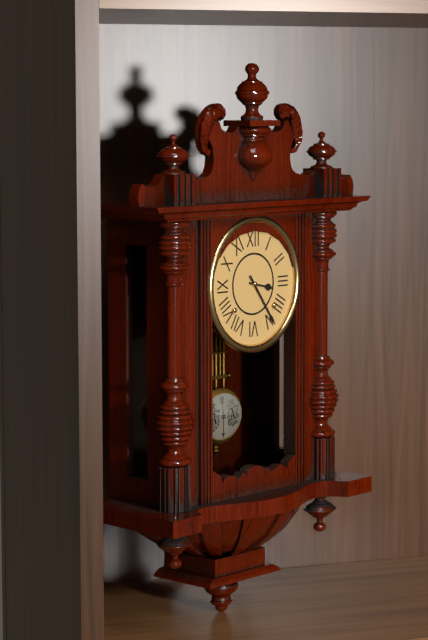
h=3 m=24
